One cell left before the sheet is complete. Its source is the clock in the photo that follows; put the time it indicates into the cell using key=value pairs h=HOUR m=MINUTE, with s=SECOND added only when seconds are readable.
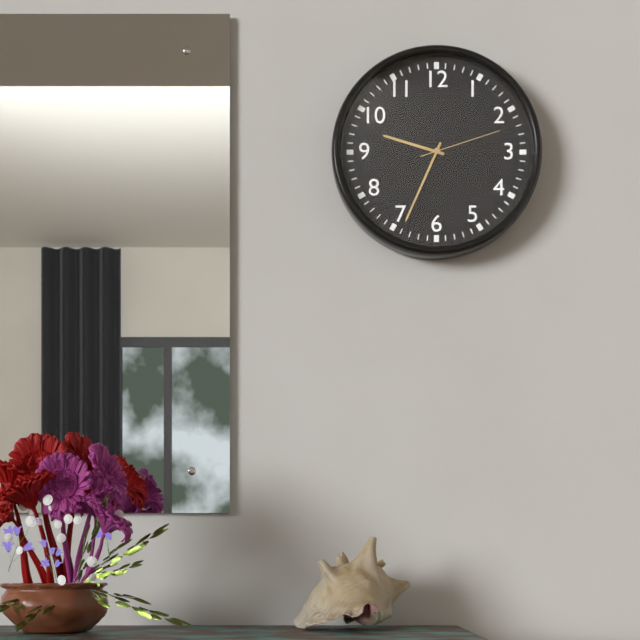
h=9 m=34 s=12
